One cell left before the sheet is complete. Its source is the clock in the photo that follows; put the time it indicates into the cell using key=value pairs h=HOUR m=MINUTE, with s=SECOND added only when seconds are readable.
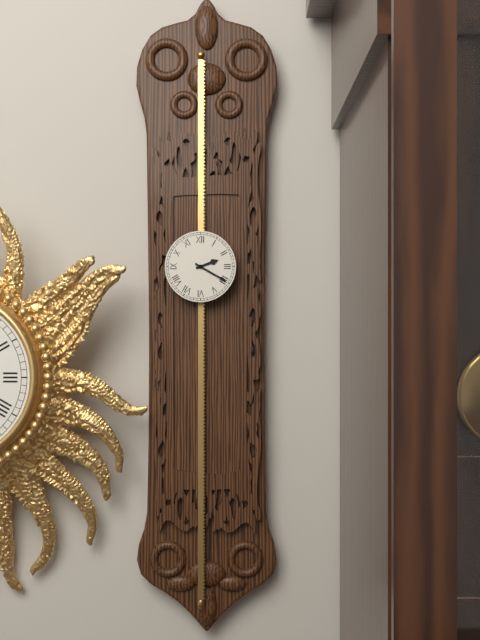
h=2 m=20
